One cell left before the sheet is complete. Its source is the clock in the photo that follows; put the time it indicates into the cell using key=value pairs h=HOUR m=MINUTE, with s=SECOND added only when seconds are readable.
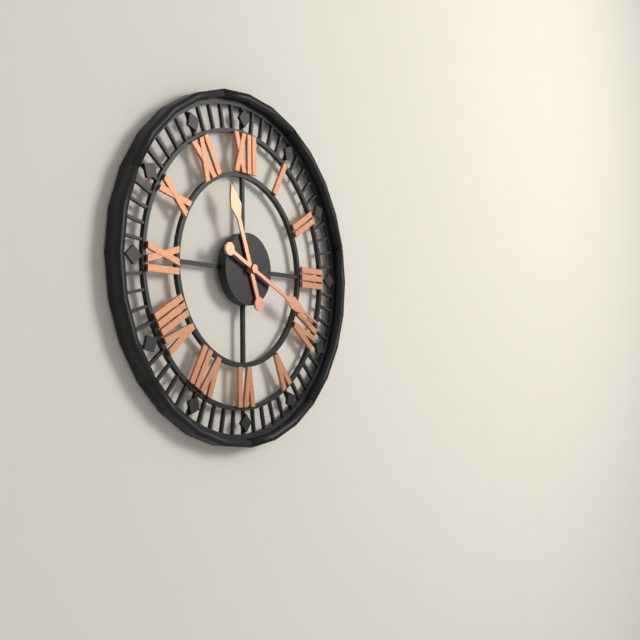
h=11 m=19
